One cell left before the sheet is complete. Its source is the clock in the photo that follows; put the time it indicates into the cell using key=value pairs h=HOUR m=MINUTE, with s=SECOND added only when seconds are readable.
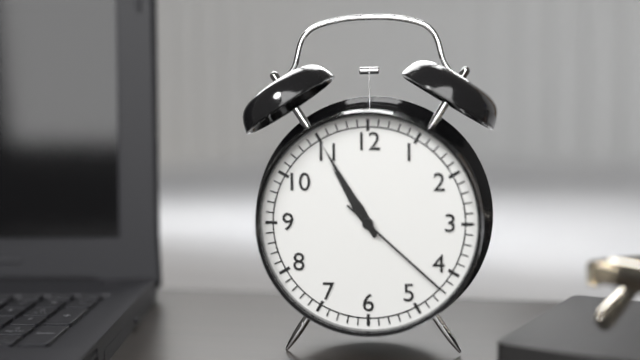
h=10 m=55 s=22
